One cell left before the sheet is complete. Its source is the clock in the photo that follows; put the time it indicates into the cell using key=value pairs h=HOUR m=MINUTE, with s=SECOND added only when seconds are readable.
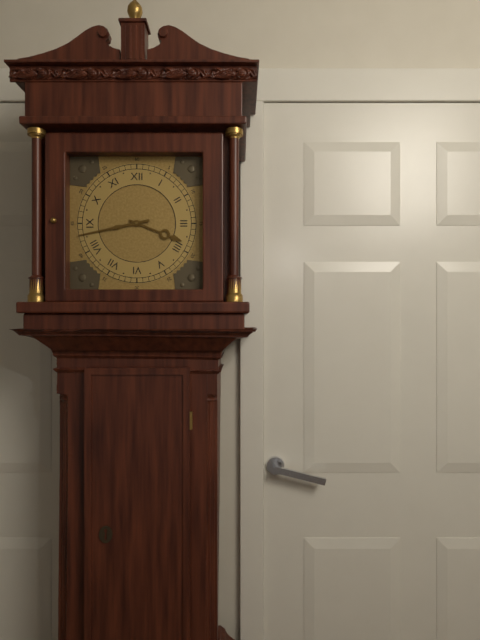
h=3 m=43
